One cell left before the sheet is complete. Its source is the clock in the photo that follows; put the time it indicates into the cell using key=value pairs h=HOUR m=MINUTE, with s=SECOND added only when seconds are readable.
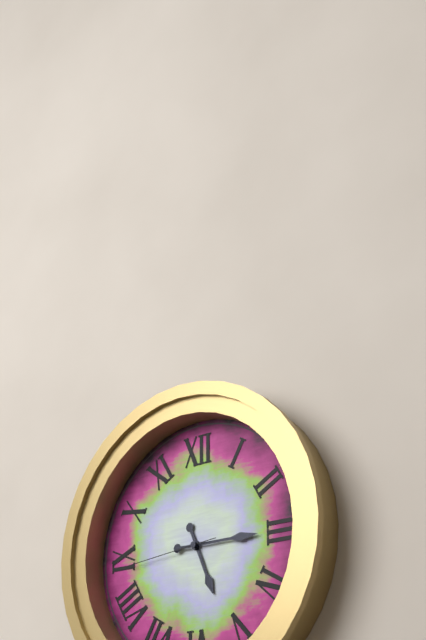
h=5 m=15 s=44
